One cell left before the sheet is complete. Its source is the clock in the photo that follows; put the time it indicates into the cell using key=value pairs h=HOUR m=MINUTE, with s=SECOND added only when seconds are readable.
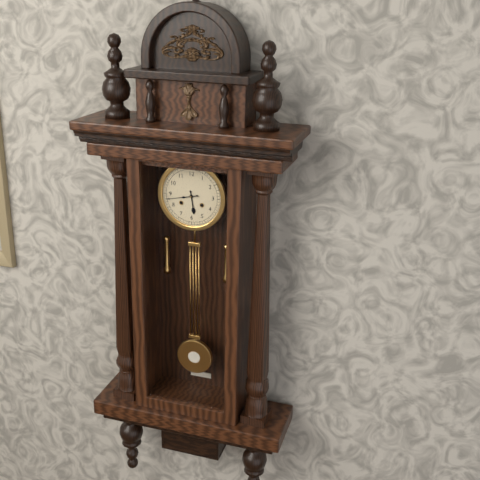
h=5 m=43
